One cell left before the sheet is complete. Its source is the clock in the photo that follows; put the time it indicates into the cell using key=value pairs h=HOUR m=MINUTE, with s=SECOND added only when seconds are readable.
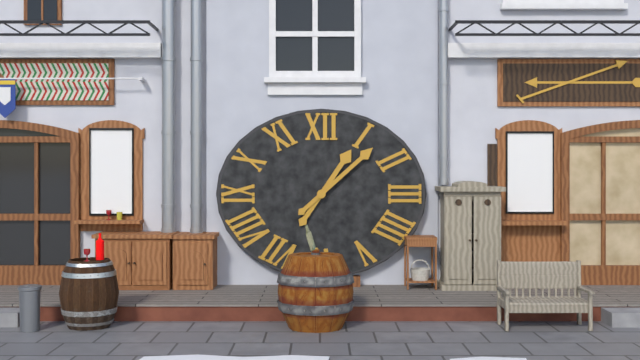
h=1 m=8
